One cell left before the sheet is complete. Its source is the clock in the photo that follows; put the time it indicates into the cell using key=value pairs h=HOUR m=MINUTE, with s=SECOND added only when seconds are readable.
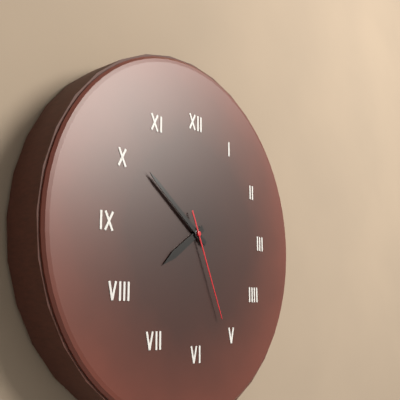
h=7 m=51 s=26
